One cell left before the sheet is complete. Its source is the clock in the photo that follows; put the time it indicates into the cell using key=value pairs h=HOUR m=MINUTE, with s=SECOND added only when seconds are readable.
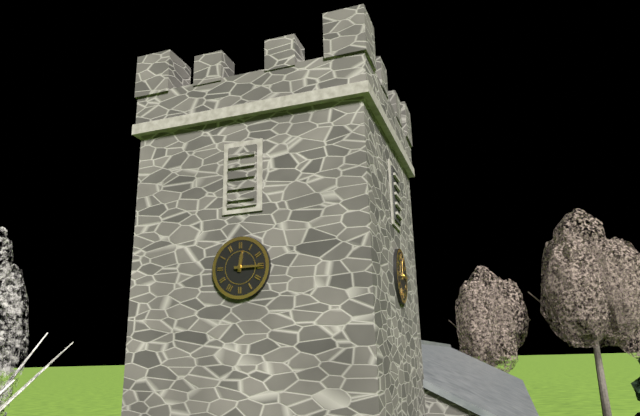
h=12 m=15
